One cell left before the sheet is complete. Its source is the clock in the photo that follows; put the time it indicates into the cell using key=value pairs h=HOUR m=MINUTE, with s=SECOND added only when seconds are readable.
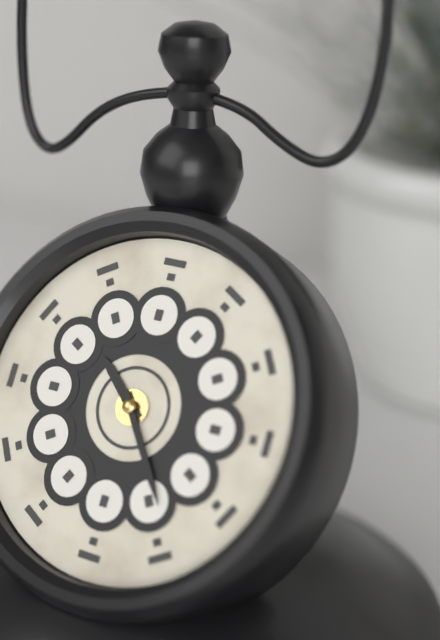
h=10 m=24
